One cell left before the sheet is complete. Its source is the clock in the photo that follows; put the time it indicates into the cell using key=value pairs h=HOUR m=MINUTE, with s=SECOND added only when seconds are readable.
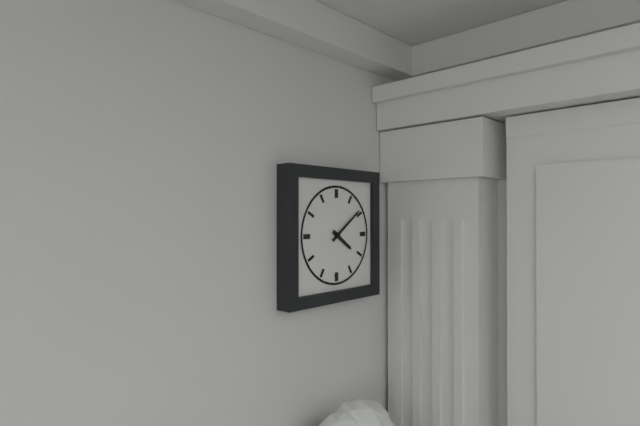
h=4 m=9
